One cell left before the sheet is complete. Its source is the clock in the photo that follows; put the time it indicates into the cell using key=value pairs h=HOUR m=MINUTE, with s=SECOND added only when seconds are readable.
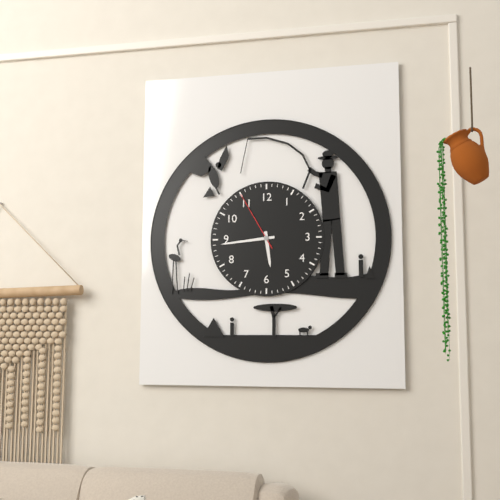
h=5 m=44 s=55
